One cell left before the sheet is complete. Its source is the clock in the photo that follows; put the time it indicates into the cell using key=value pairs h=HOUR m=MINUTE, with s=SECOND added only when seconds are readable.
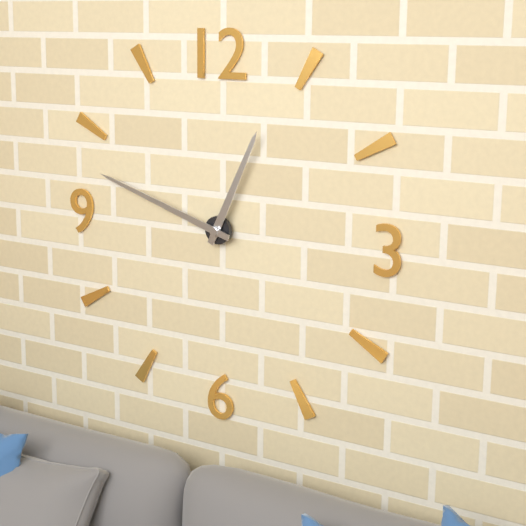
h=12 m=48
